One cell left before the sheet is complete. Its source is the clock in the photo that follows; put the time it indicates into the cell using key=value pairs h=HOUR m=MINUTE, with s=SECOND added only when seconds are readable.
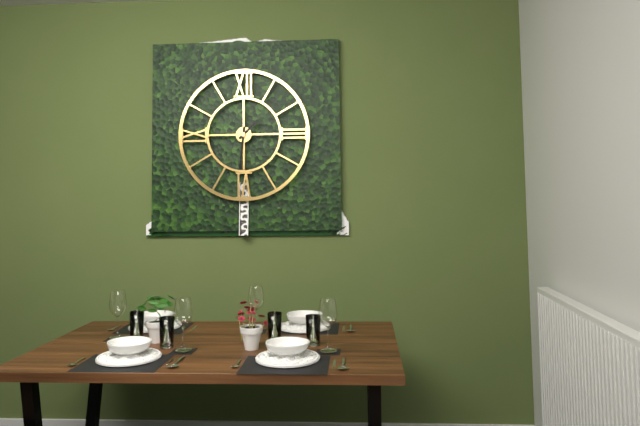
h=1 m=31
